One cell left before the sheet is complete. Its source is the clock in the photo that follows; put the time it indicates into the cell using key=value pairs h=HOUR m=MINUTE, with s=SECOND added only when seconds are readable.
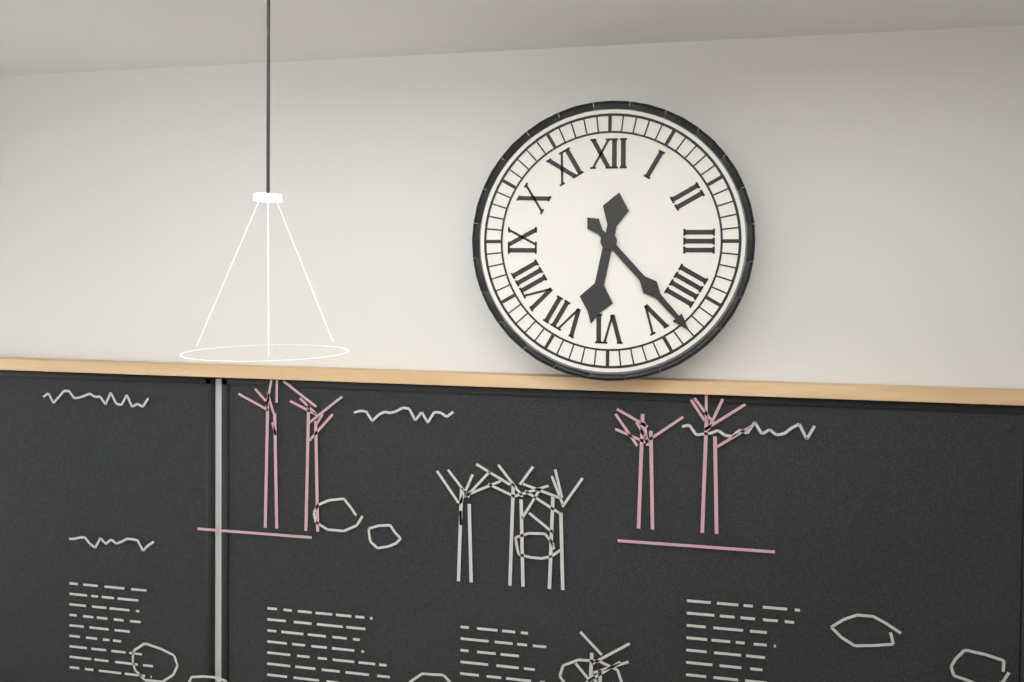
h=6 m=23
